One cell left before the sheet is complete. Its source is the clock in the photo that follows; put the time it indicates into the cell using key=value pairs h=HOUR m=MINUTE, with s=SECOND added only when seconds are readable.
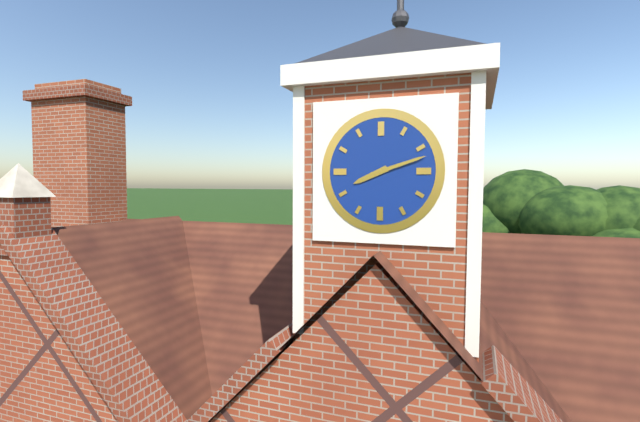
h=8 m=12
